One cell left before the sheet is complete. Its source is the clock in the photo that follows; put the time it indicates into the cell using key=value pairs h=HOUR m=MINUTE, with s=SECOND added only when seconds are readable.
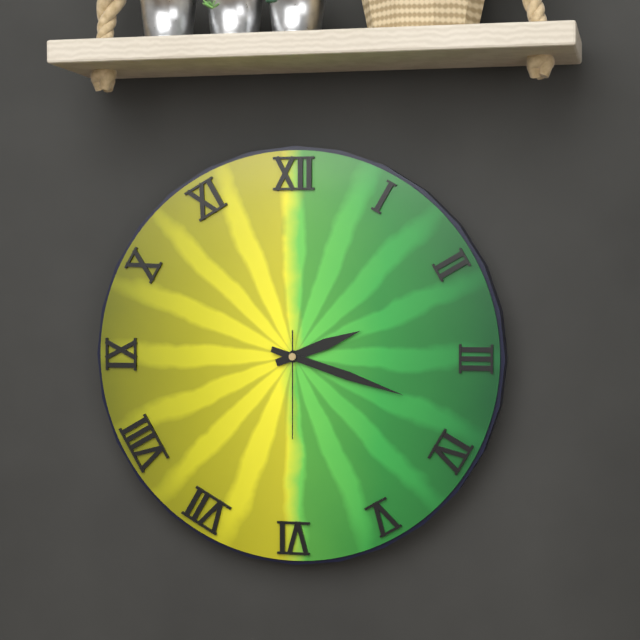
h=2 m=18 s=30
